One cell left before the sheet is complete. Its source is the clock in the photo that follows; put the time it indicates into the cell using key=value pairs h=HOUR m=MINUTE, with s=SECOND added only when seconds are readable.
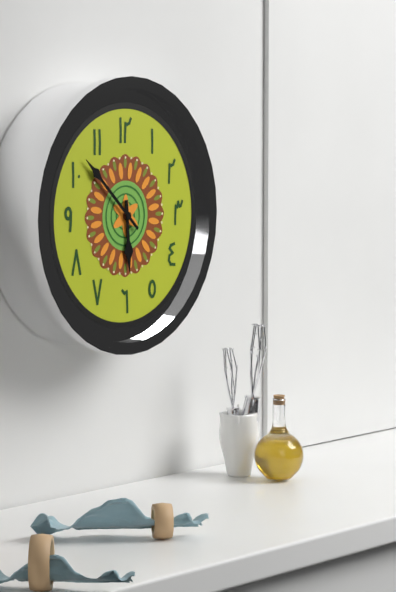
h=5 m=52
